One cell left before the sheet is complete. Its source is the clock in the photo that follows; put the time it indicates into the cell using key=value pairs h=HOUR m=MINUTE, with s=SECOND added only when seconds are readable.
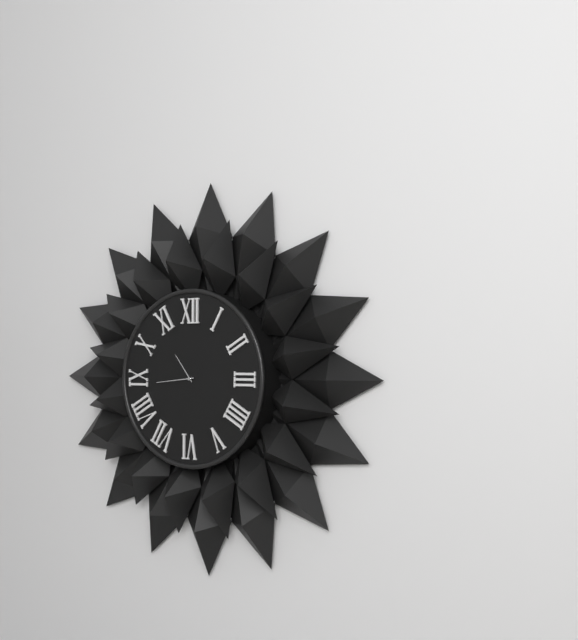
h=10 m=44
